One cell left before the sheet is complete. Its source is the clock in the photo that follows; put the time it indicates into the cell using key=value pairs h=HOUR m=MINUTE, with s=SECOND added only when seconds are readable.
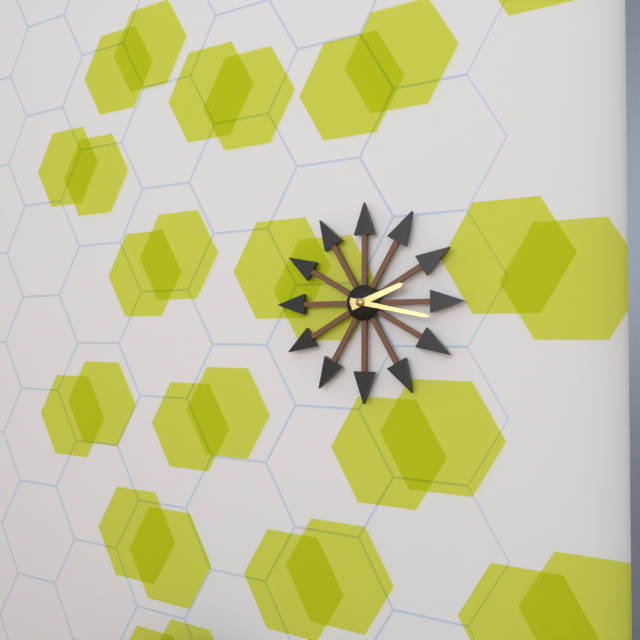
h=2 m=17
